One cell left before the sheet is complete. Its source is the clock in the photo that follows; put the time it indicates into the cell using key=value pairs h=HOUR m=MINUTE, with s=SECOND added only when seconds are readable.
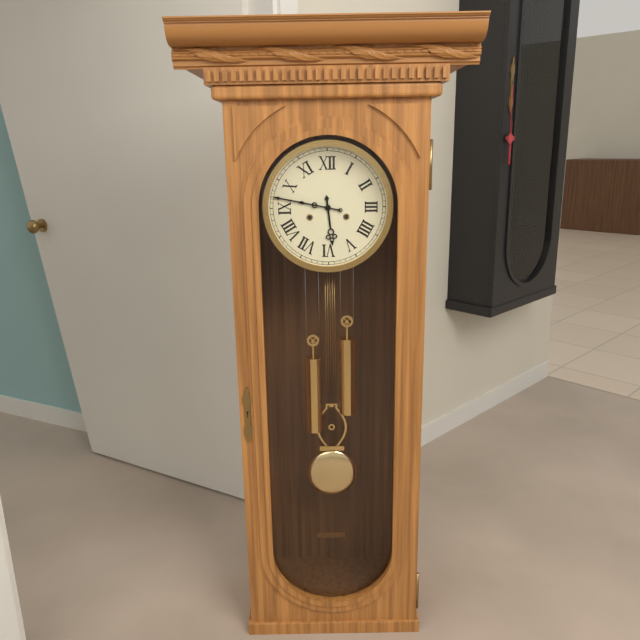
h=5 m=47
